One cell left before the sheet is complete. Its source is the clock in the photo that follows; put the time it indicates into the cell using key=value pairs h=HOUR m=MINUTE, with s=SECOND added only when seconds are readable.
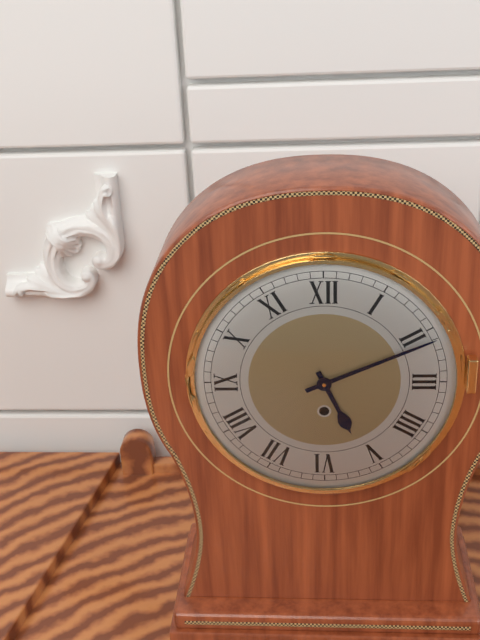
h=5 m=11
